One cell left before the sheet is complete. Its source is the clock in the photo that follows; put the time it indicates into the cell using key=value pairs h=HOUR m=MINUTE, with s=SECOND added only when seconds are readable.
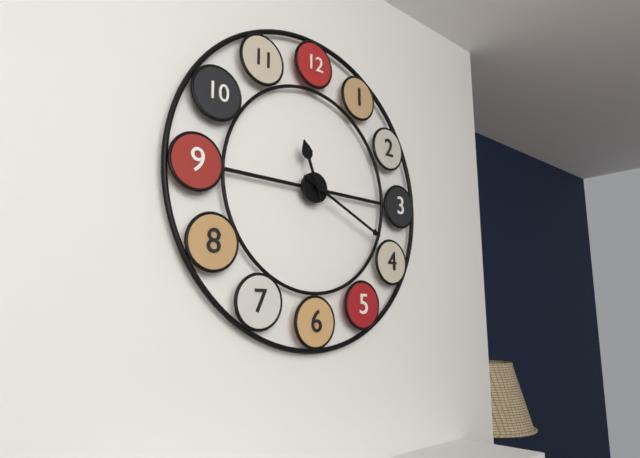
h=11 m=19
